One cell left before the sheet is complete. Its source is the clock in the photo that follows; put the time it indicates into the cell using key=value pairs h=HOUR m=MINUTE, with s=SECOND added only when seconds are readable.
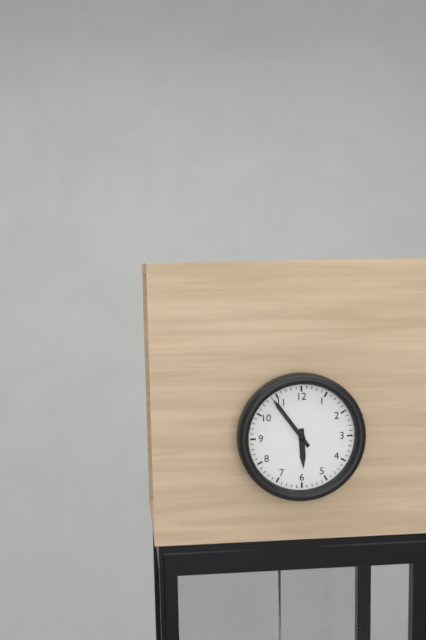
h=5 m=54
